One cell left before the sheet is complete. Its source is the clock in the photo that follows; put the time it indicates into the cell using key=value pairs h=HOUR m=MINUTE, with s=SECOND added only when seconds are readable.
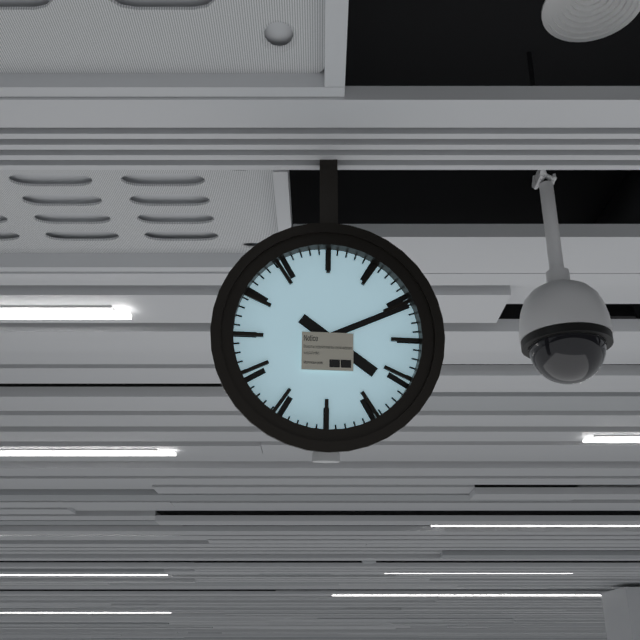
h=4 m=11
